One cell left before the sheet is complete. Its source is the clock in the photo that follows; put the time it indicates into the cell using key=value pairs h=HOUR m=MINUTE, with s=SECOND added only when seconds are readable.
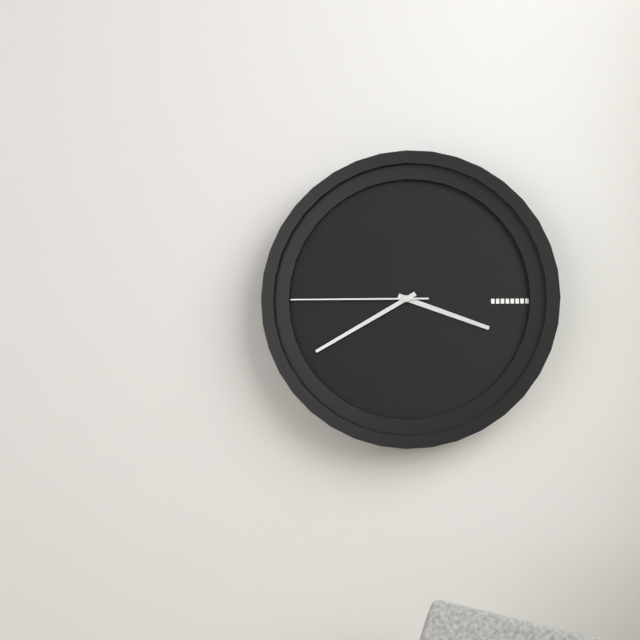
h=3 m=40 s=45
